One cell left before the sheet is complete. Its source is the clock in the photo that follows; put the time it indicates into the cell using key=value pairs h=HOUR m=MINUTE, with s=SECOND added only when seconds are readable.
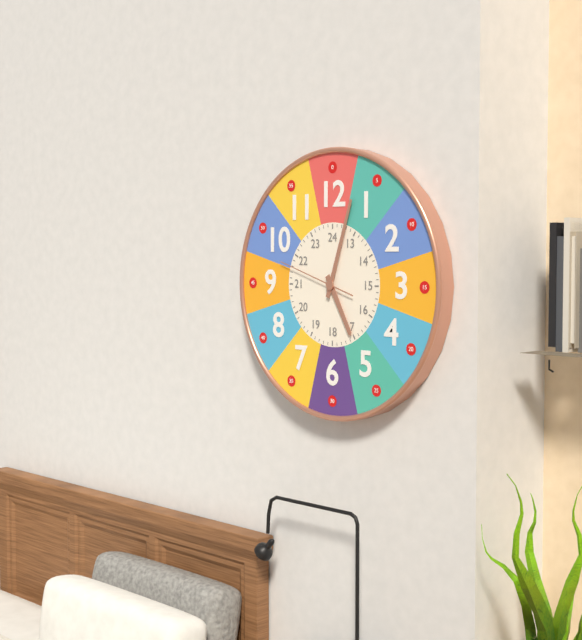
h=5 m=3 s=48
